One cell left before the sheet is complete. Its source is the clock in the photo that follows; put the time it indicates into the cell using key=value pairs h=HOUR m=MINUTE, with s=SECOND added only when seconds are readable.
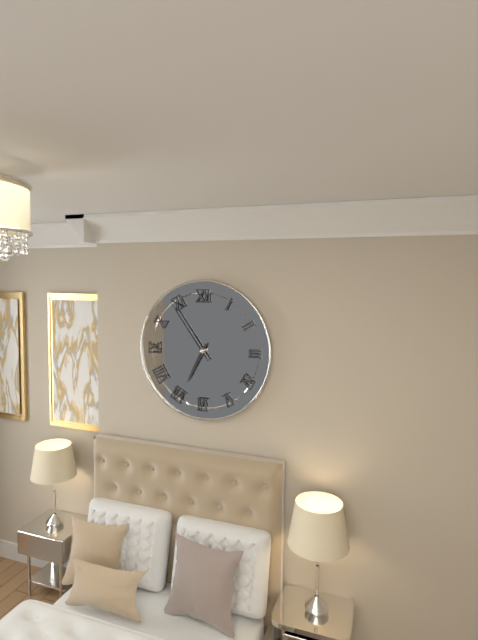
h=6 m=54
